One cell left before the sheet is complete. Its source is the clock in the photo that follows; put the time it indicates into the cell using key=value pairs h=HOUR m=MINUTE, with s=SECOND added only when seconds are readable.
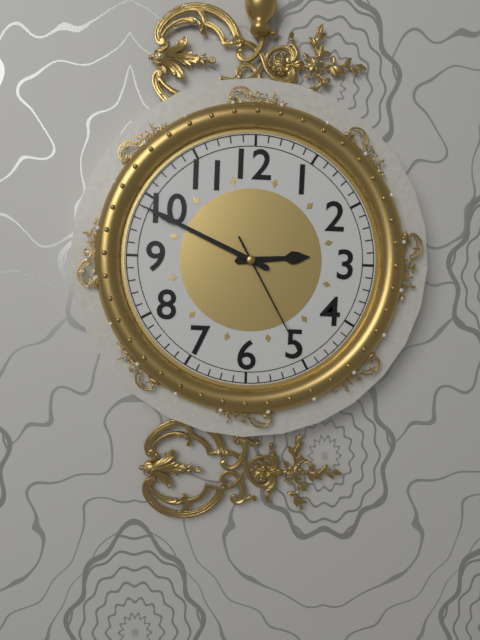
h=2 m=49 s=25
